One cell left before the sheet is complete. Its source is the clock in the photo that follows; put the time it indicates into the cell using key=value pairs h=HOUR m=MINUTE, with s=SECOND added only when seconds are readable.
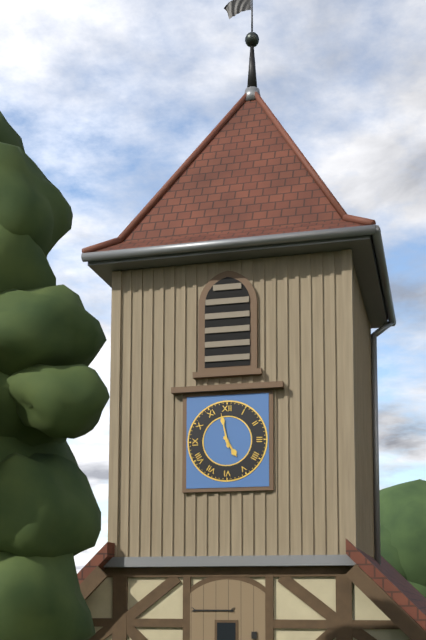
h=4 m=58
